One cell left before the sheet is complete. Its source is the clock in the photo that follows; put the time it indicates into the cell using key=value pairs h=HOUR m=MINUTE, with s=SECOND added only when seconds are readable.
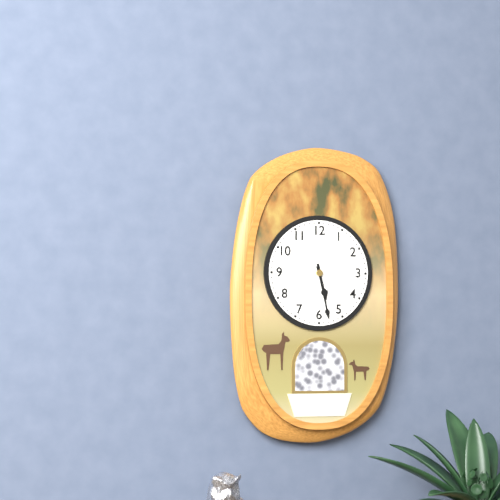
h=5 m=28
